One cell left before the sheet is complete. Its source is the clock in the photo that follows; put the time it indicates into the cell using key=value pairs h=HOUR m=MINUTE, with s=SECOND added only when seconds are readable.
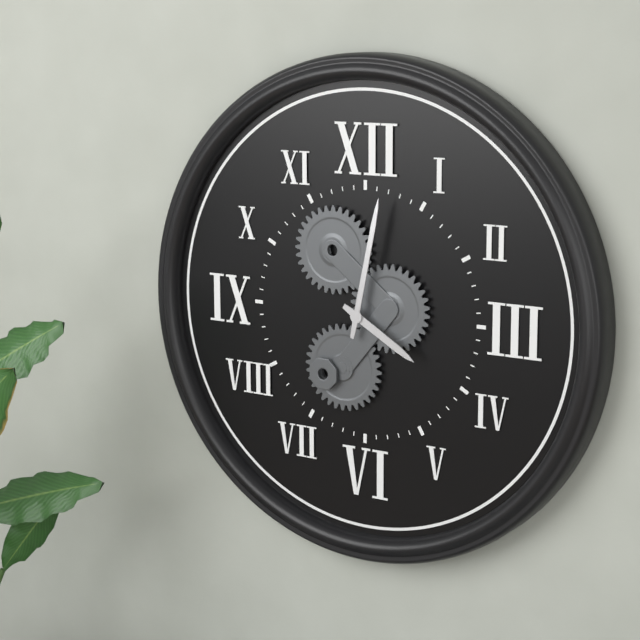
h=4 m=2
